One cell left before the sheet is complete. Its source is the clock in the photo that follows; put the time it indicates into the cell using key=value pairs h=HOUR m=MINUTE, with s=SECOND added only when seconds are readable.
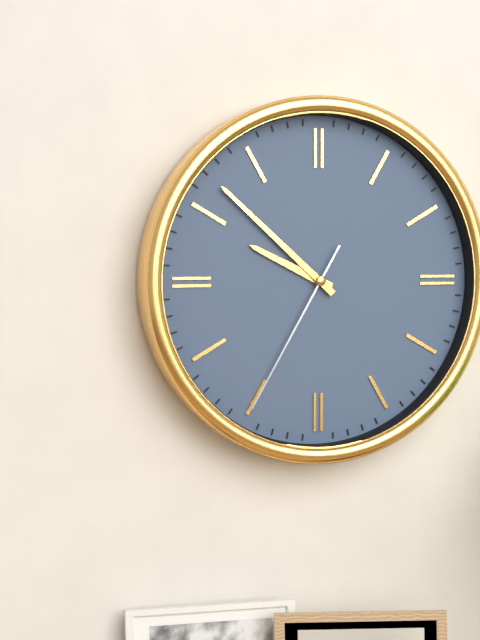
h=9 m=52 s=35
